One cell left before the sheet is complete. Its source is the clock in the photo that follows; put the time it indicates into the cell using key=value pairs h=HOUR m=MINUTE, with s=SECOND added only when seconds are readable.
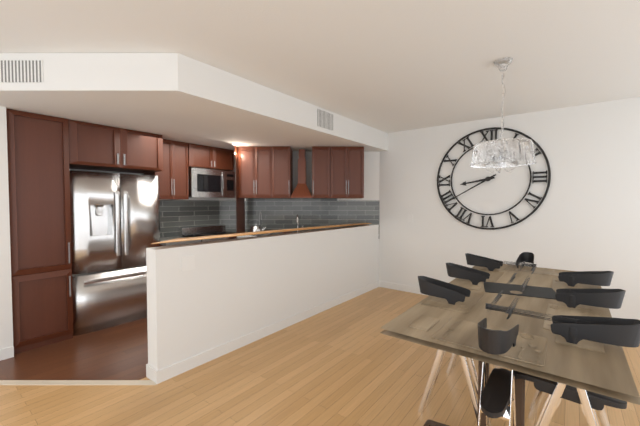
h=8 m=40
